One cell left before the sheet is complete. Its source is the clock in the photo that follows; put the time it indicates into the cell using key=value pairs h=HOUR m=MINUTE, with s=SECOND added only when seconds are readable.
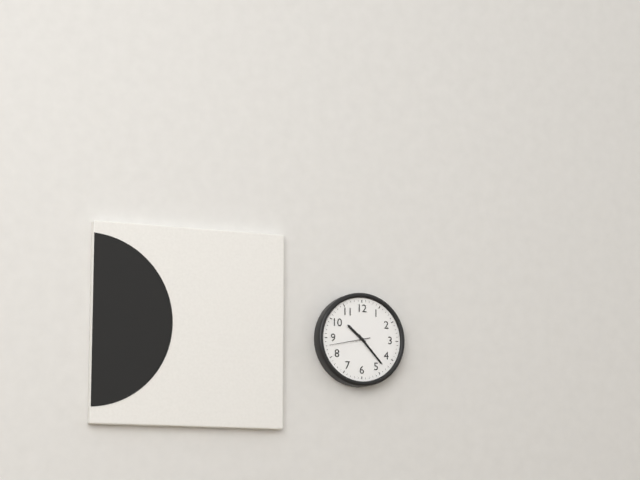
h=10 m=23
